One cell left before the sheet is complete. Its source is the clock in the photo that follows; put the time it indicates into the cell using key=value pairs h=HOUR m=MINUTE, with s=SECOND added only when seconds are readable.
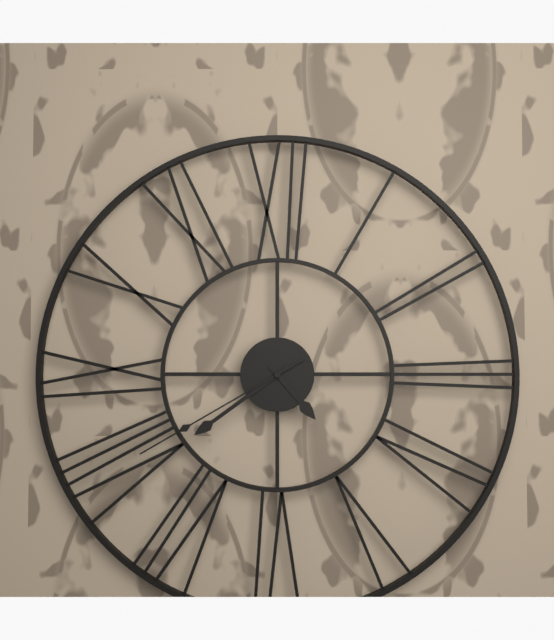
h=4 m=39 s=40
